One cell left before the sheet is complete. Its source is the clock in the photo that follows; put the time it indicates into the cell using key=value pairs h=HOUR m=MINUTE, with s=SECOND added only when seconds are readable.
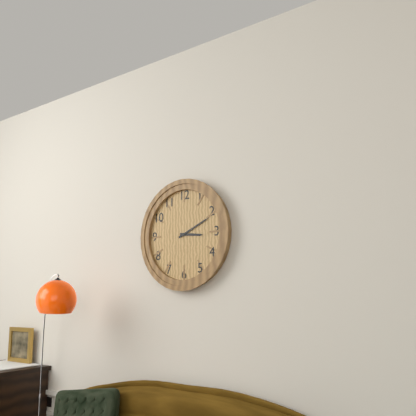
h=3 m=11
